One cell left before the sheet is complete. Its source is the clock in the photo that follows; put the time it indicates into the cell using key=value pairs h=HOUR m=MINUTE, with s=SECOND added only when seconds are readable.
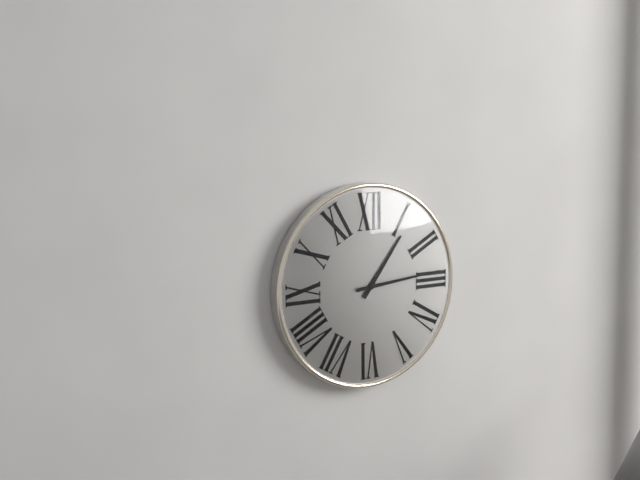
h=1 m=14
